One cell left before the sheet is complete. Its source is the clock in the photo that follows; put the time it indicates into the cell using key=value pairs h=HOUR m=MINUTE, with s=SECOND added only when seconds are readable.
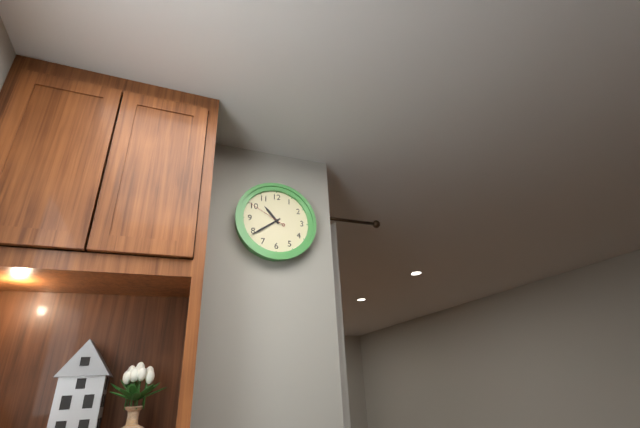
h=10 m=39
